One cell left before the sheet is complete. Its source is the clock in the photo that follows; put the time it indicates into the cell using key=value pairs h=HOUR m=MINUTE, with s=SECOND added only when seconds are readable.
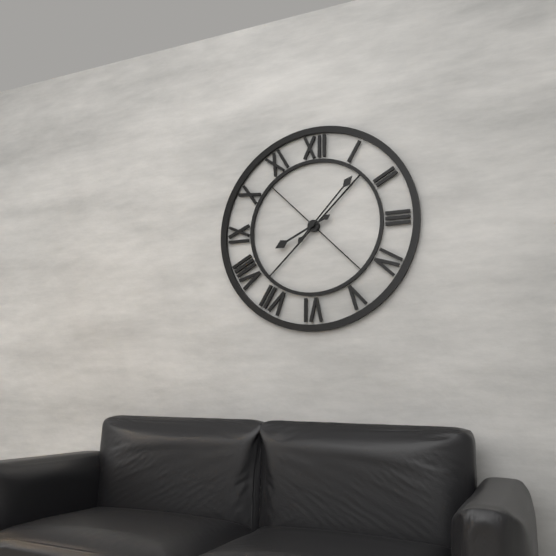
h=8 m=7
